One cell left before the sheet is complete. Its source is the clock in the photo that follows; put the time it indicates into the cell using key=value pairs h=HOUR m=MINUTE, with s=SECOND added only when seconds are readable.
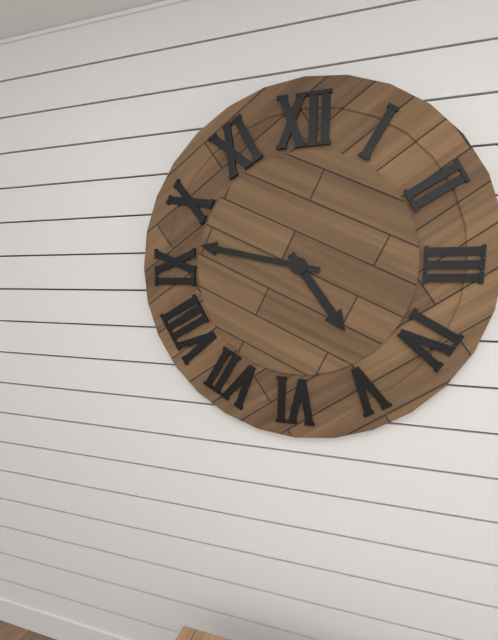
h=4 m=47
